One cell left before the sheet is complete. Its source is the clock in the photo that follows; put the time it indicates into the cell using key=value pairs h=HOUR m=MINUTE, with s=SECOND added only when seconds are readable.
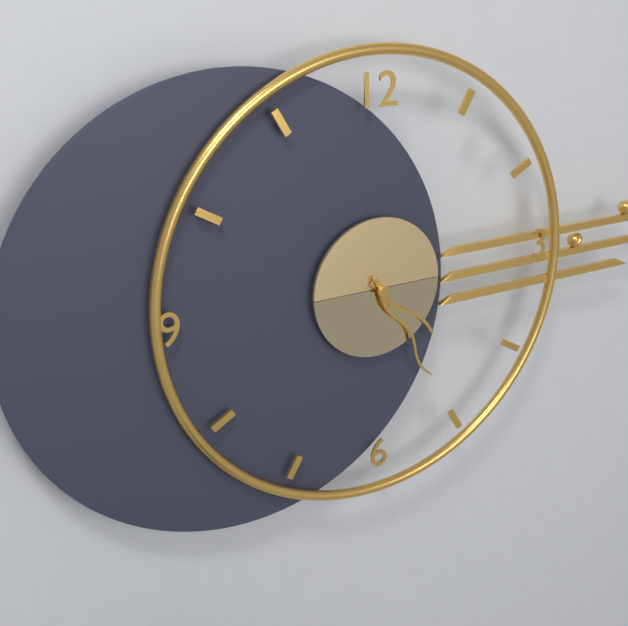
h=4 m=25
